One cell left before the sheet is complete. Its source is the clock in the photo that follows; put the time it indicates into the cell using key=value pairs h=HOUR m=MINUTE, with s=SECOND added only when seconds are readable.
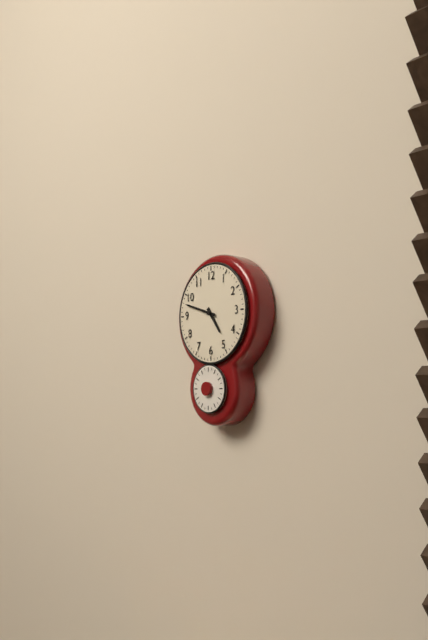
h=4 m=48
